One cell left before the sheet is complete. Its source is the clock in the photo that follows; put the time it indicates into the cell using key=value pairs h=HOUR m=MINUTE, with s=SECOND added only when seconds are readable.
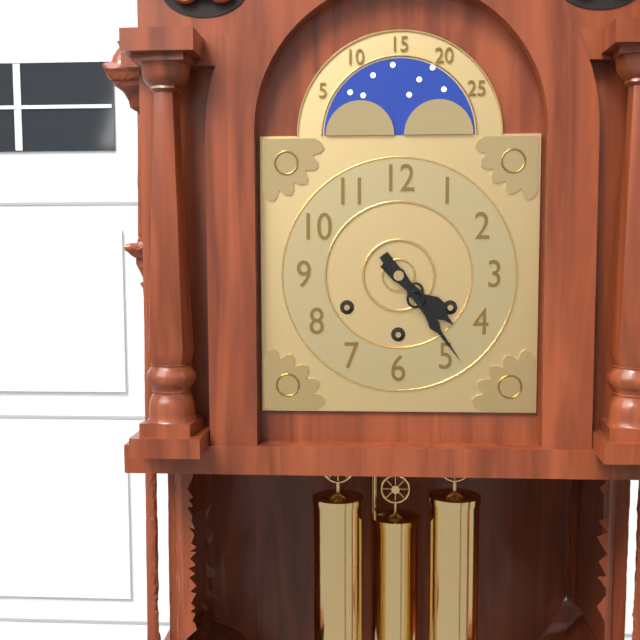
h=4 m=24
